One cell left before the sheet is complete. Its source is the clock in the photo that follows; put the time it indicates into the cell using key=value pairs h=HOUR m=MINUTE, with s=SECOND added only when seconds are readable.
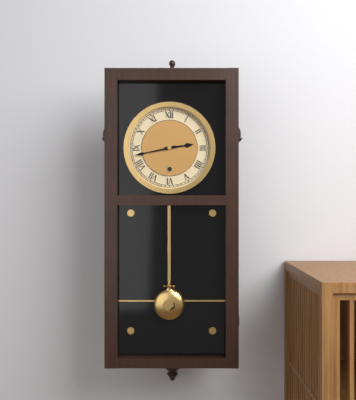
h=2 m=43
